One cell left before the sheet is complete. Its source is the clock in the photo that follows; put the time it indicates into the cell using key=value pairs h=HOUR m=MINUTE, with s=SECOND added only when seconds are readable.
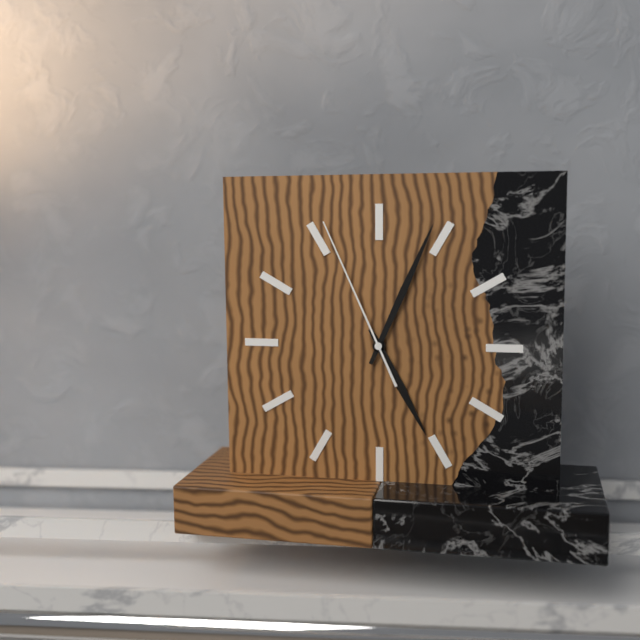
h=5 m=4 s=56
